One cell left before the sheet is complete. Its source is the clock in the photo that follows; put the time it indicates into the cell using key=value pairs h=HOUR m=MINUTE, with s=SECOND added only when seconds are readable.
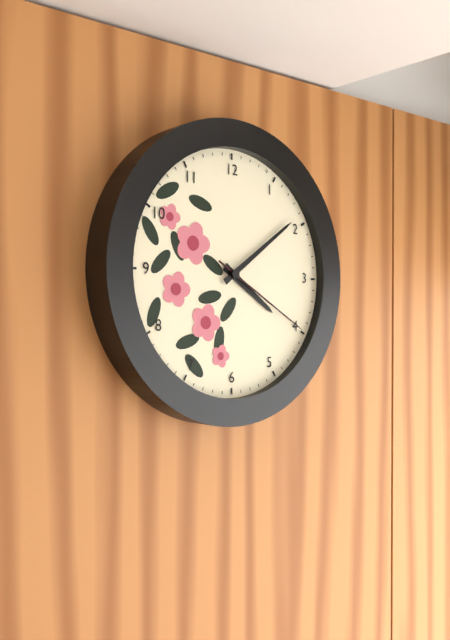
h=4 m=9 s=20
